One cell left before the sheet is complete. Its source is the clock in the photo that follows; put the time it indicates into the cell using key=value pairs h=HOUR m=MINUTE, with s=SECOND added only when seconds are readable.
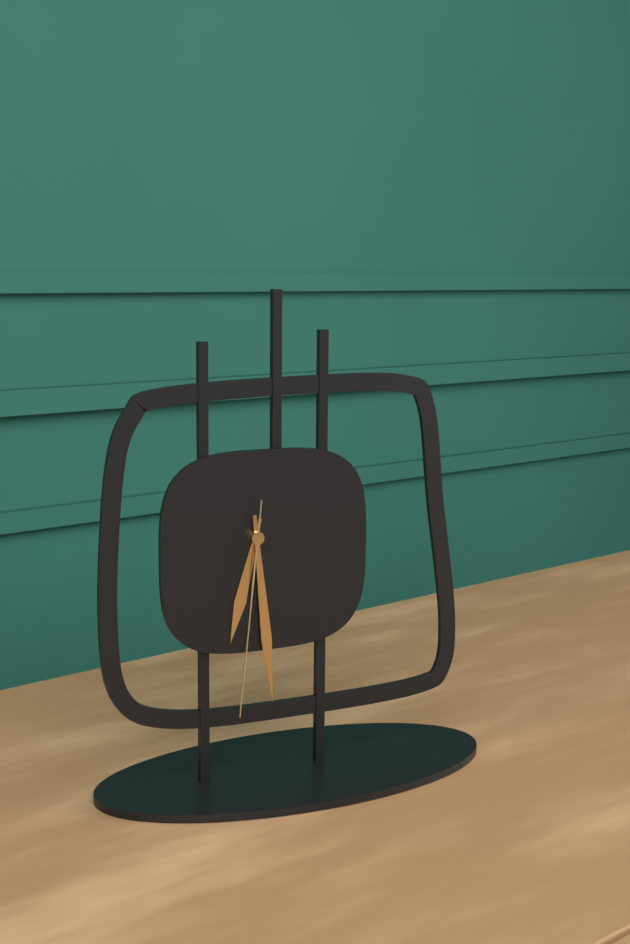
h=6 m=29 s=31
